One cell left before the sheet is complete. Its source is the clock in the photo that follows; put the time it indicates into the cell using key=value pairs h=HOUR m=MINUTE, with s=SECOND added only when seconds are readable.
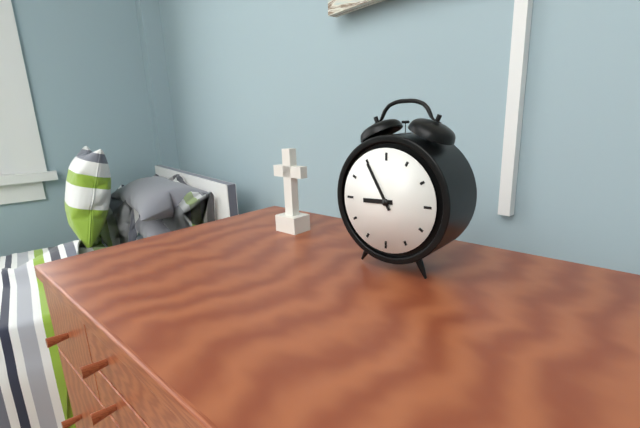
h=8 m=55
